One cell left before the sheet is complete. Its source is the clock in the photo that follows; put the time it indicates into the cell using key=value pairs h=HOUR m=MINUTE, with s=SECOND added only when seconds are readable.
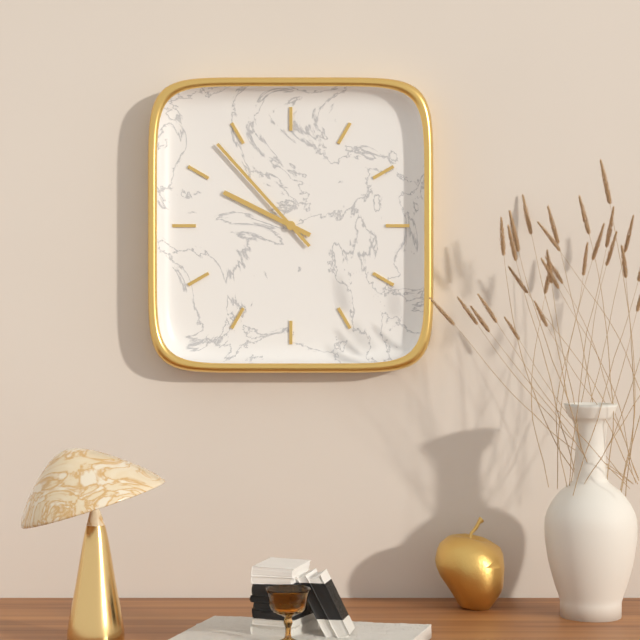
h=9 m=53
